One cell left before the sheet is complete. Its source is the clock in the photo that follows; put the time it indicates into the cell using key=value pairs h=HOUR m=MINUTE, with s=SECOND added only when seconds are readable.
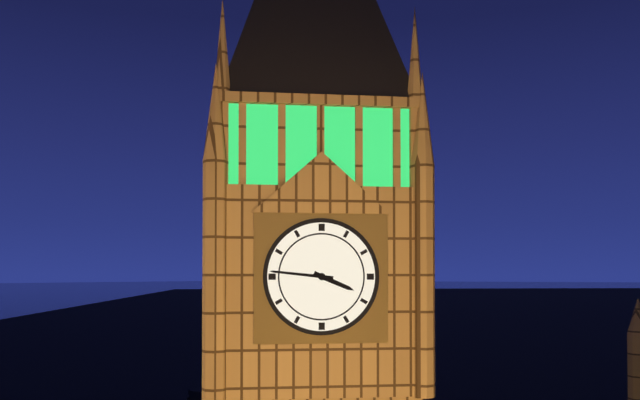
h=3 m=46
